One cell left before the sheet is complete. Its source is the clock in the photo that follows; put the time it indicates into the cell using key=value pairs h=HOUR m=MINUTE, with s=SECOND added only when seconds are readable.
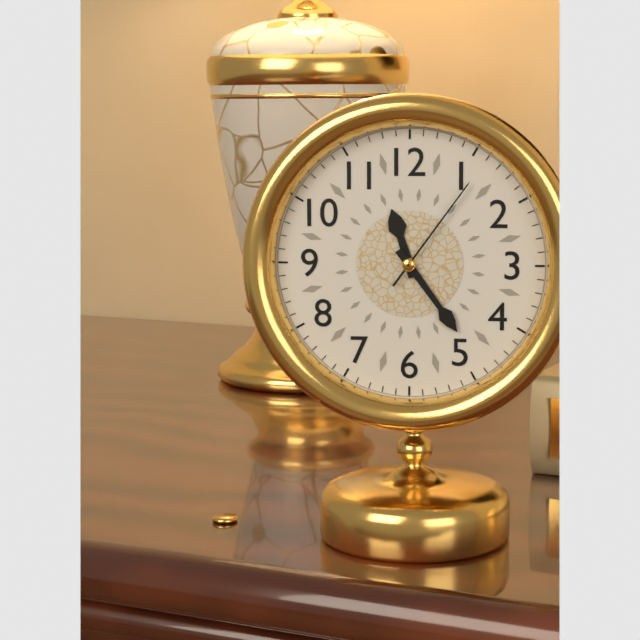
h=11 m=24 s=6
